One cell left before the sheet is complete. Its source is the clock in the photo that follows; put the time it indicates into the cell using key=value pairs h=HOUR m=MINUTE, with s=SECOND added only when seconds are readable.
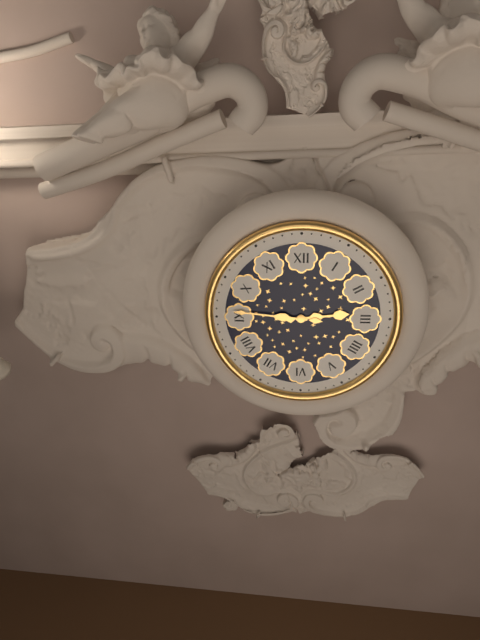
h=2 m=46
